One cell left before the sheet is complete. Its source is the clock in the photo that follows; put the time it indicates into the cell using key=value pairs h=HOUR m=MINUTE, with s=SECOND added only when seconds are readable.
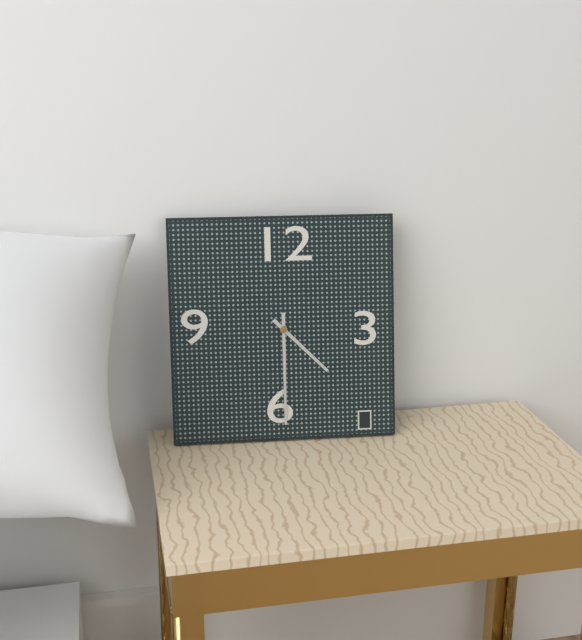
h=4 m=30
